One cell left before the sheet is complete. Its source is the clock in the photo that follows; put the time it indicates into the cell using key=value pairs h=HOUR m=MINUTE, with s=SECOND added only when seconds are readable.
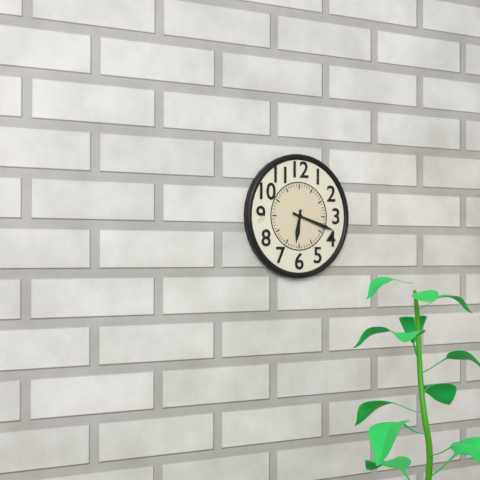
h=6 m=18
